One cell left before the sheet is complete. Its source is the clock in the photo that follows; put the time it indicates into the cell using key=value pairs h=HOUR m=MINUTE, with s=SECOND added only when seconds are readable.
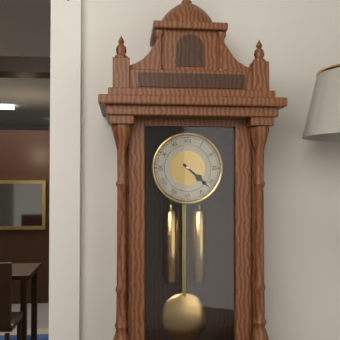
h=4 m=22
